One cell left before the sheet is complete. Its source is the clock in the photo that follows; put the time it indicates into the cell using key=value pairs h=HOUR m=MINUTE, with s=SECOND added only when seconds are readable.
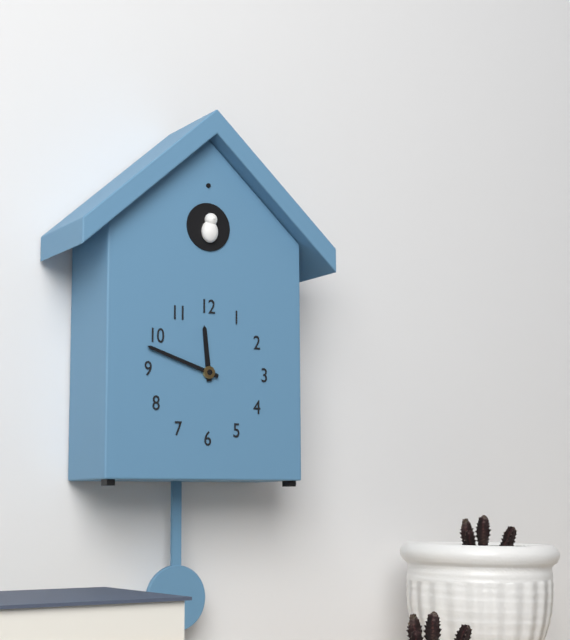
h=11 m=48
